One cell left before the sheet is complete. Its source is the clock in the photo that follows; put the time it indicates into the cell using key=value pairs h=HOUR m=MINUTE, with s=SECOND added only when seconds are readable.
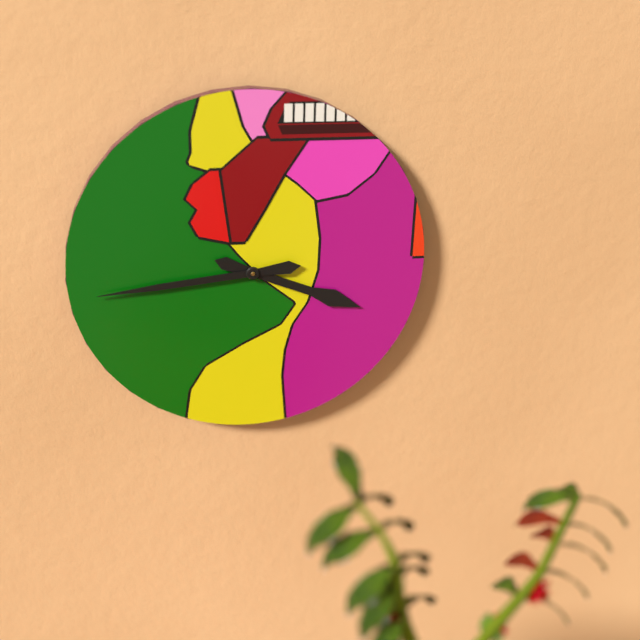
h=3 m=44
